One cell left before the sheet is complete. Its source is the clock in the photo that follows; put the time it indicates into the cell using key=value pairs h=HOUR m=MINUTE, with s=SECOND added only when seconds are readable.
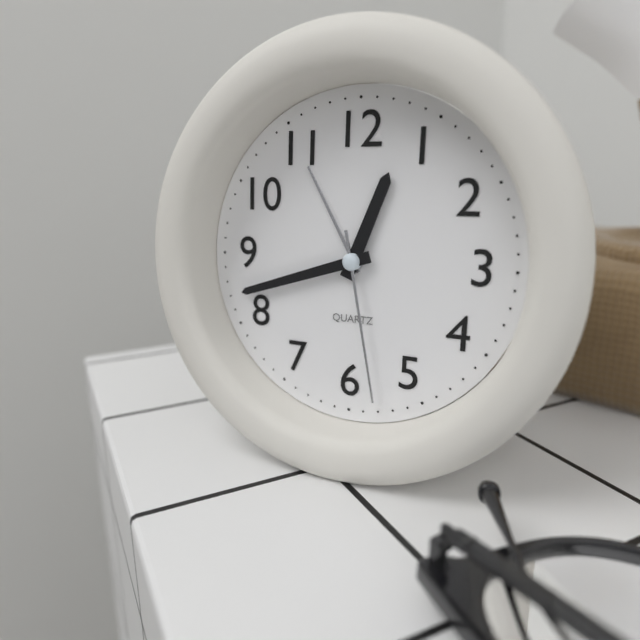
h=12 m=42 s=28
